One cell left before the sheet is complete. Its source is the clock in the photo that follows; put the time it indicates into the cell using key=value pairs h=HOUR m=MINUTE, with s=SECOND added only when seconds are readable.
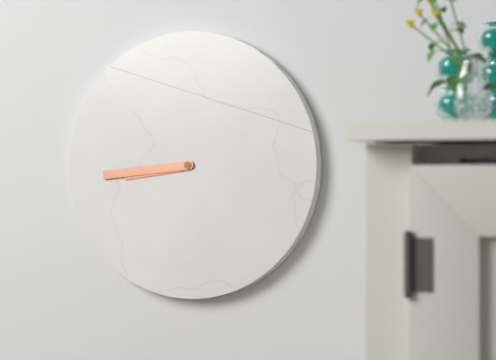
h=8 m=44
